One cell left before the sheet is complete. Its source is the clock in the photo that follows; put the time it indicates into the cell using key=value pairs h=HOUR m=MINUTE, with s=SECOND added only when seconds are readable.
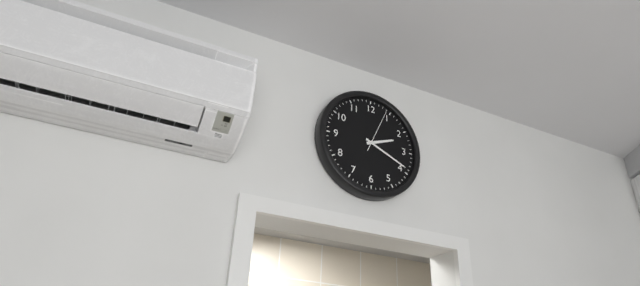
h=2 m=19 s=4
